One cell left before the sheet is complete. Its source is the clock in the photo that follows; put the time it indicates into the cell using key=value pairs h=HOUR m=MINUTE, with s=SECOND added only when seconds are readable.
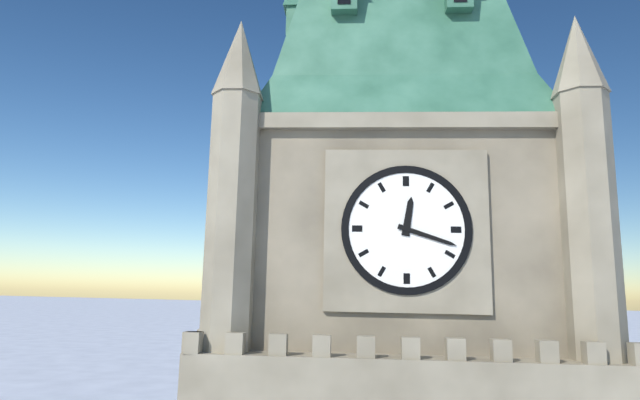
h=12 m=18
